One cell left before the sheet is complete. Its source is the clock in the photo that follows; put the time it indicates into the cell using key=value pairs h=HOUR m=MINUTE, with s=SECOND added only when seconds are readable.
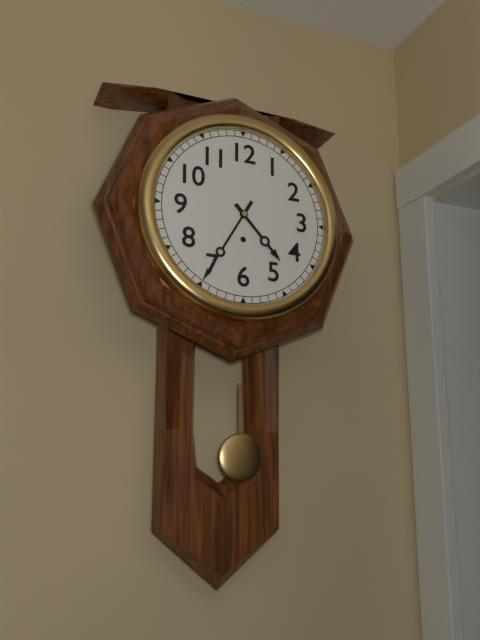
h=4 m=35
